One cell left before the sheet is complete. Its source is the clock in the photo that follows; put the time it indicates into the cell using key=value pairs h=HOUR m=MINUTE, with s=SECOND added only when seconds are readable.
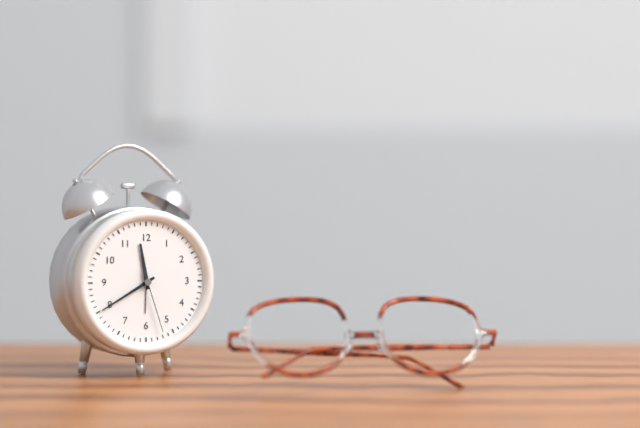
h=11 m=40 s=27
